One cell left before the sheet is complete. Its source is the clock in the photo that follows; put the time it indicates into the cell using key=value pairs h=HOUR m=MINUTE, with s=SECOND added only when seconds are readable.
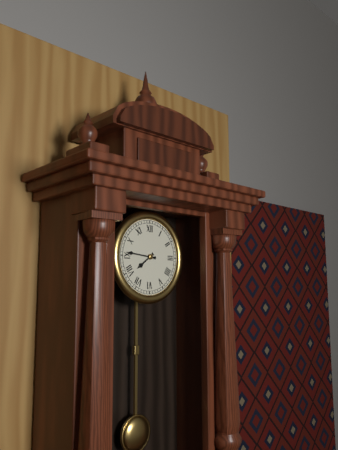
h=7 m=46
